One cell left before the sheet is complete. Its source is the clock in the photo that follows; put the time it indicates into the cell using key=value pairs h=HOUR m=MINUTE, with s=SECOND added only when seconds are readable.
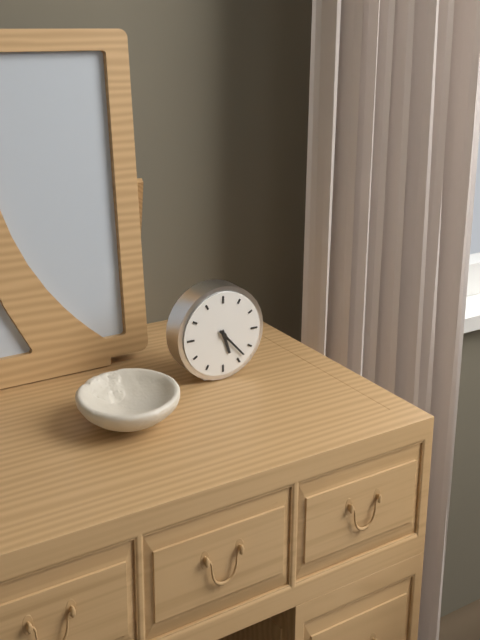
h=5 m=23
